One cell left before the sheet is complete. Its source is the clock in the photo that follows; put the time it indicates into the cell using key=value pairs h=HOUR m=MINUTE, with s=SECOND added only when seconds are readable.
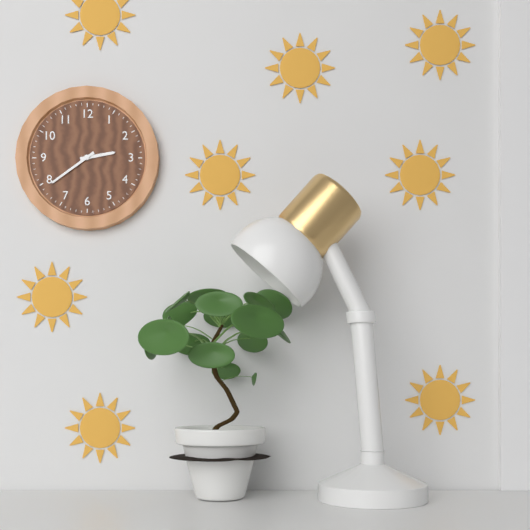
h=2 m=39
